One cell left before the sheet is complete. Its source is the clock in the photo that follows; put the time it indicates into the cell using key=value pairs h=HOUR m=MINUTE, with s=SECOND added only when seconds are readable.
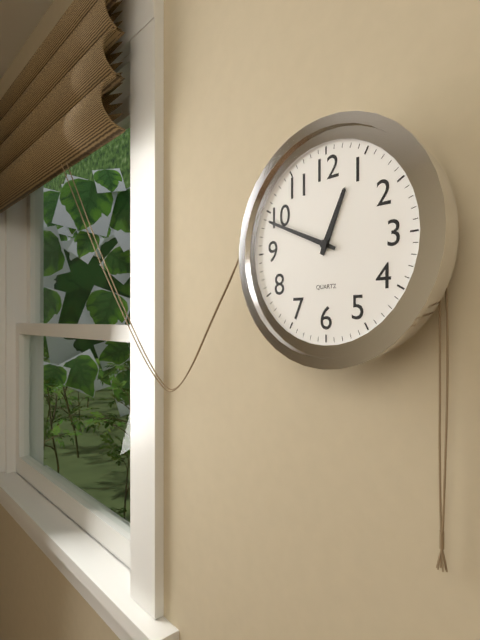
h=12 m=49
